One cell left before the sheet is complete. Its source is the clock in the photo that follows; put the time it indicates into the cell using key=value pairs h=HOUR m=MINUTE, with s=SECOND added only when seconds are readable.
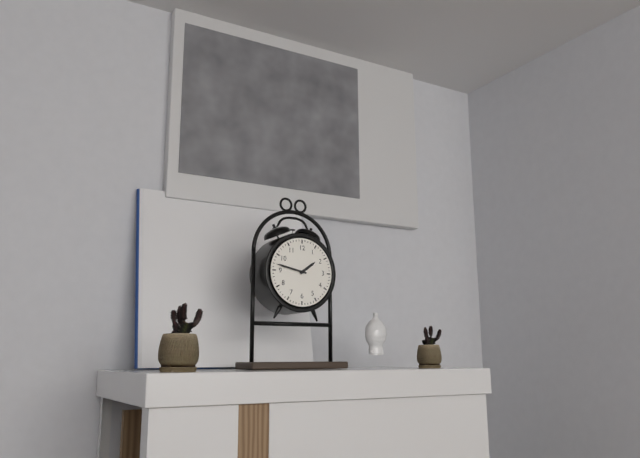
h=1 m=47
